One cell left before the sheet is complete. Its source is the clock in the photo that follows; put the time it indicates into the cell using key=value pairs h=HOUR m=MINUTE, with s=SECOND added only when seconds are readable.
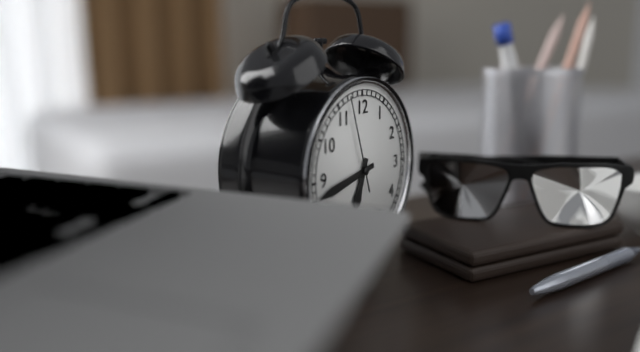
h=6 m=43 s=57
